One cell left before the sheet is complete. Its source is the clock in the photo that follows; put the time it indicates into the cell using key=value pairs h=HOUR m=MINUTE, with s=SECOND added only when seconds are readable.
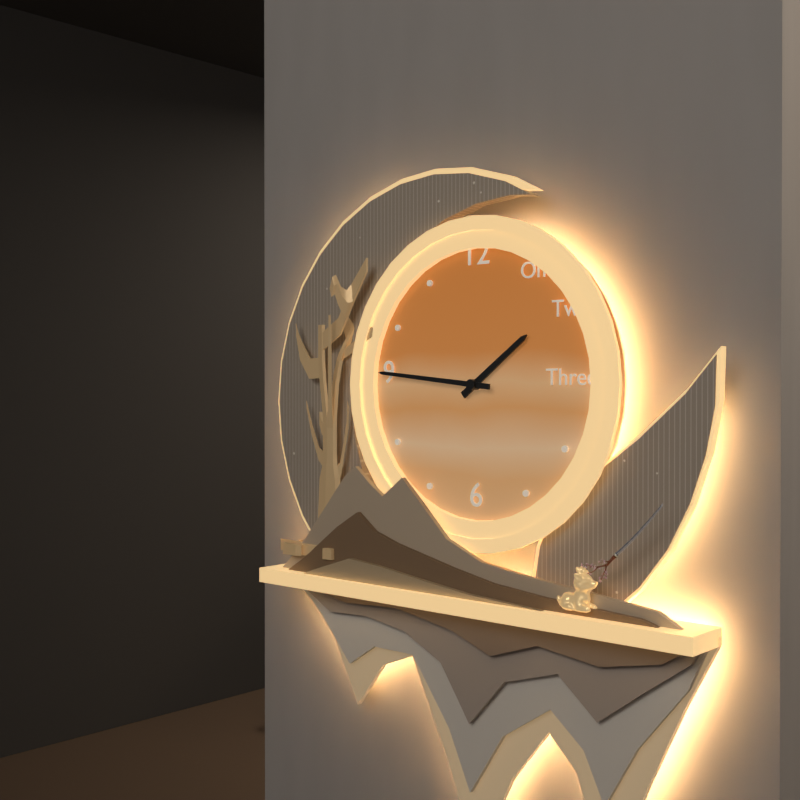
h=1 m=46
